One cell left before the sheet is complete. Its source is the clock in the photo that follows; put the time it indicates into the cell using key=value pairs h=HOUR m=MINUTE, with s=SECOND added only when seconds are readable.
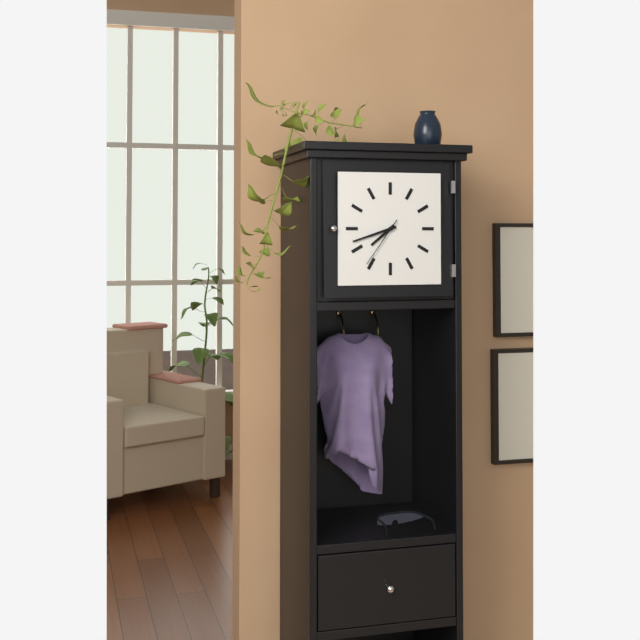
h=7 m=42 s=36
